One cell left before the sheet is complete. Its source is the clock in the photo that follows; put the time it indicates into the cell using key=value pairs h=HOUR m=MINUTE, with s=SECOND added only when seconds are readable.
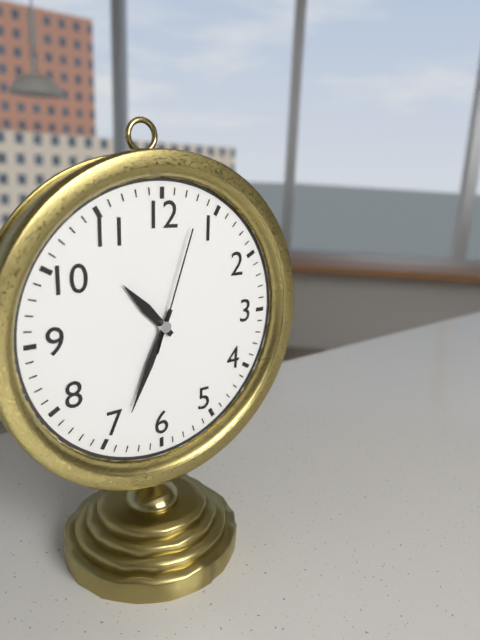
h=10 m=34 s=3
